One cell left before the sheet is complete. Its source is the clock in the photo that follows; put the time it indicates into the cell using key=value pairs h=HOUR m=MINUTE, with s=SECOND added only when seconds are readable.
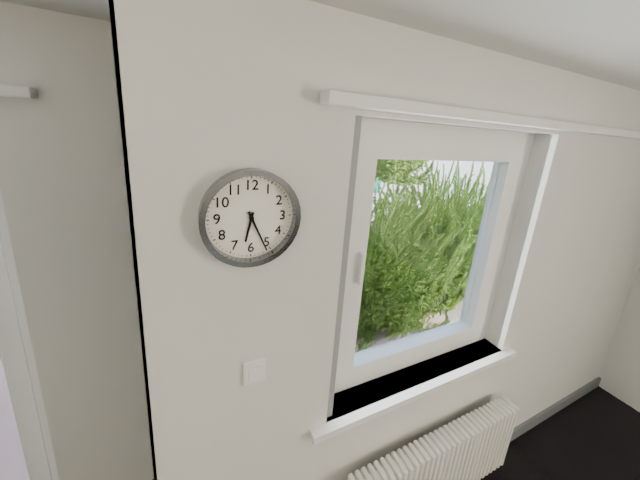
h=6 m=26
